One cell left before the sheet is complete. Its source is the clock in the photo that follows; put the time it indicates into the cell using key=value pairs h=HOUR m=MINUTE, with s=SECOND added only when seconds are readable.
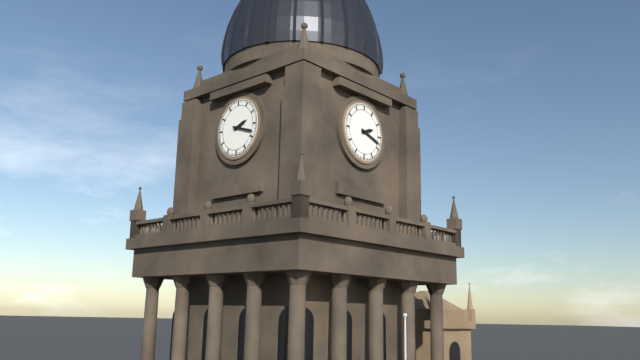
h=2 m=18
